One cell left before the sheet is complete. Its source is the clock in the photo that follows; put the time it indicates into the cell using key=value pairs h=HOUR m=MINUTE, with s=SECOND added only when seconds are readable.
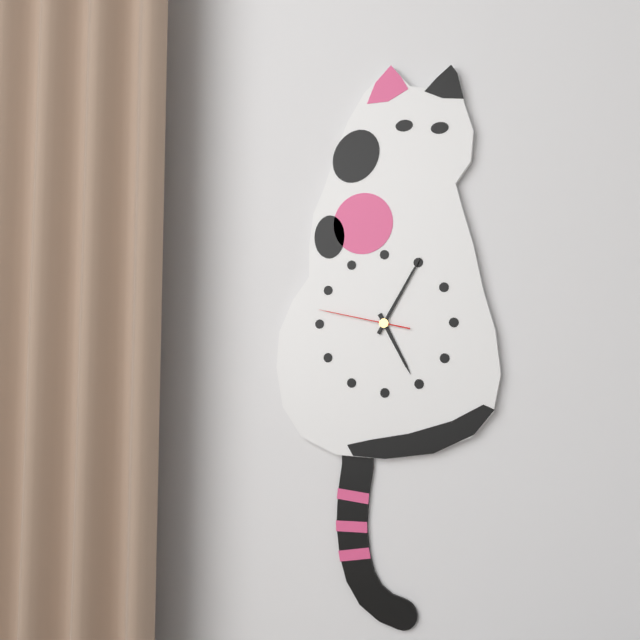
h=5 m=5 s=47
